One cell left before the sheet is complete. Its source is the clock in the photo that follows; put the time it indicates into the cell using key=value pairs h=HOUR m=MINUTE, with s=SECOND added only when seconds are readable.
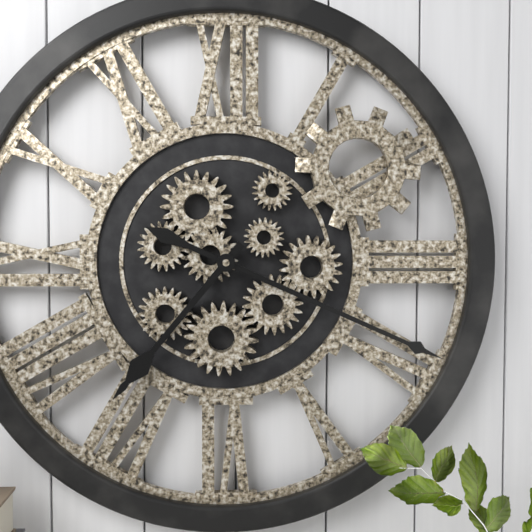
h=7 m=19
